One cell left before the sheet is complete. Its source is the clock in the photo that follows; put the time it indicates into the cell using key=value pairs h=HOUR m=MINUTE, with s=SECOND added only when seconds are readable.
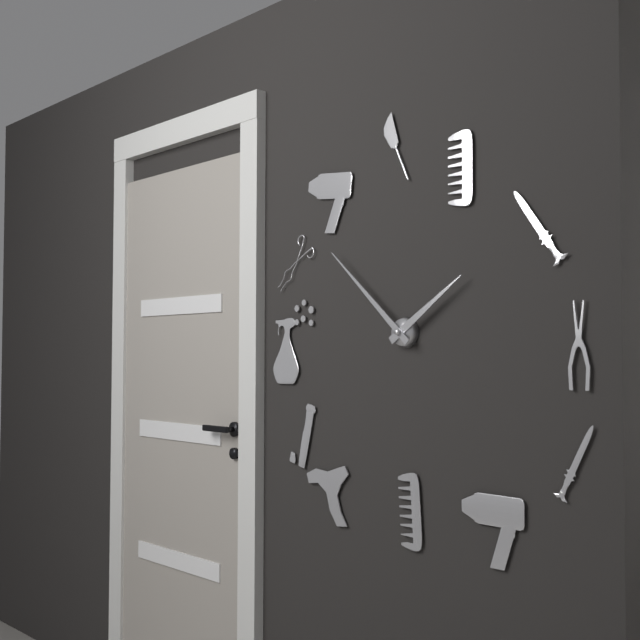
h=1 m=52
